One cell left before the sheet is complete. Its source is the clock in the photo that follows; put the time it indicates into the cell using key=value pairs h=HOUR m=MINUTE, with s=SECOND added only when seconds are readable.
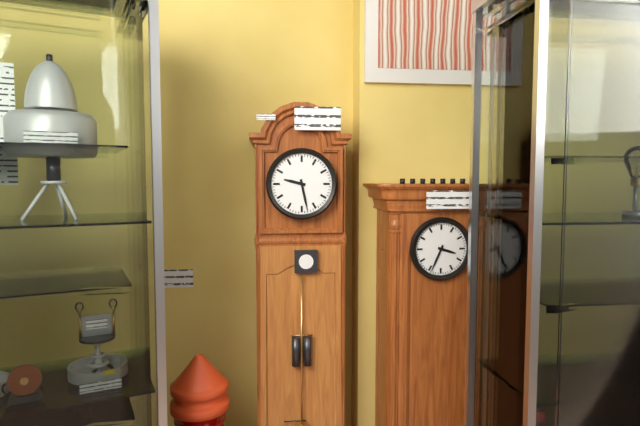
h=9 m=28
